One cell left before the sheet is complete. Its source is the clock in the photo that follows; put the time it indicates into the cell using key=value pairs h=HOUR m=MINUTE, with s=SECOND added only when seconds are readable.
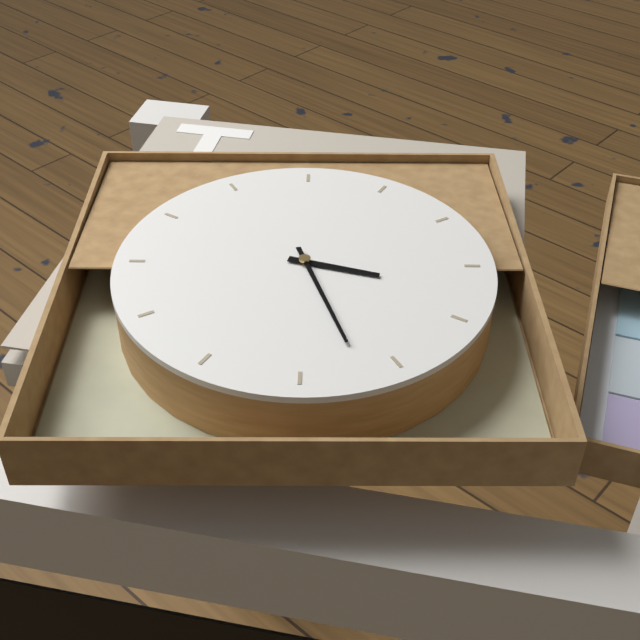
h=4 m=32
